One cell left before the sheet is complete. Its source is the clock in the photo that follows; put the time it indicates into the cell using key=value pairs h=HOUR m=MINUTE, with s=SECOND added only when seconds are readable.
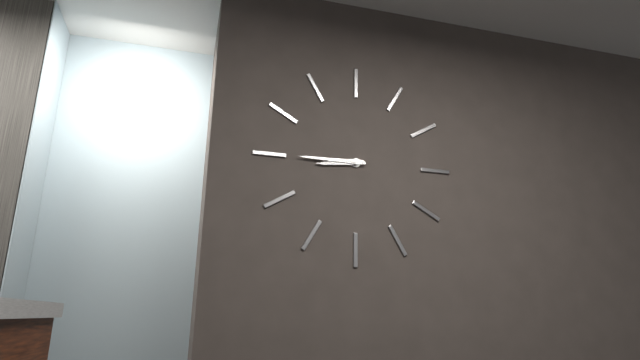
h=8 m=45
